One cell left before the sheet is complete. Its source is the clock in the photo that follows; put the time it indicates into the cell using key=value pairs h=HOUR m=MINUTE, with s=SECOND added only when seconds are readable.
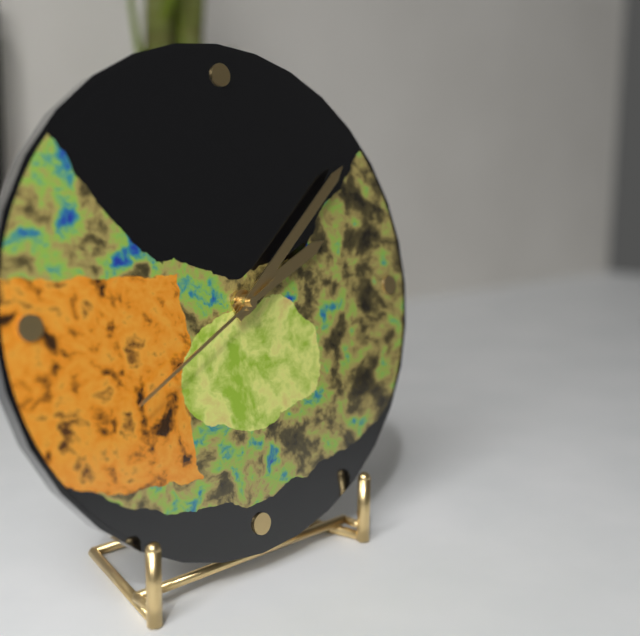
h=2 m=8 s=40
